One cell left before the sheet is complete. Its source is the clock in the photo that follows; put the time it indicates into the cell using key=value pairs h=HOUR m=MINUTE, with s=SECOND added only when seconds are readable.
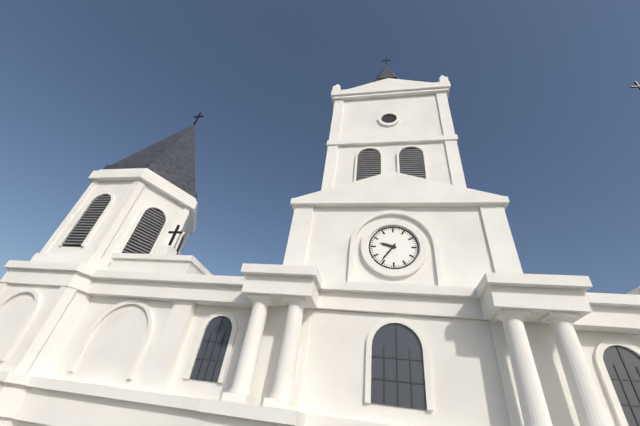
h=9 m=36
